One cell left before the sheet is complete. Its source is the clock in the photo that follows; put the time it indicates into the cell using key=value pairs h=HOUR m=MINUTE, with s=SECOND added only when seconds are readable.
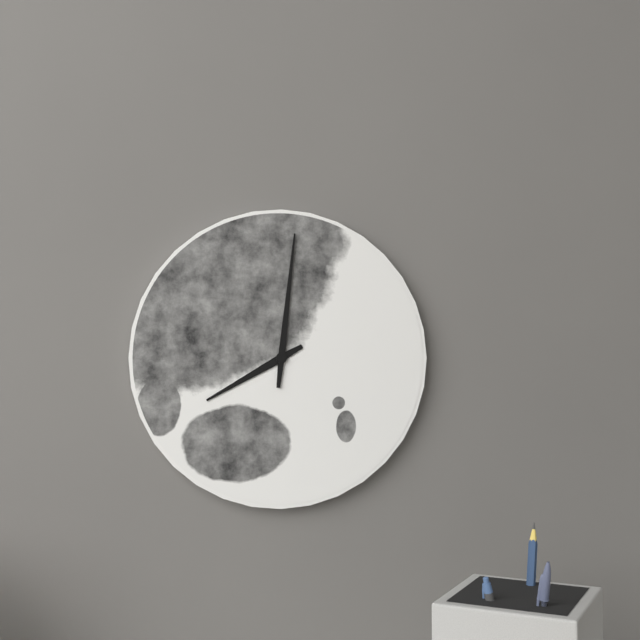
h=8 m=1
